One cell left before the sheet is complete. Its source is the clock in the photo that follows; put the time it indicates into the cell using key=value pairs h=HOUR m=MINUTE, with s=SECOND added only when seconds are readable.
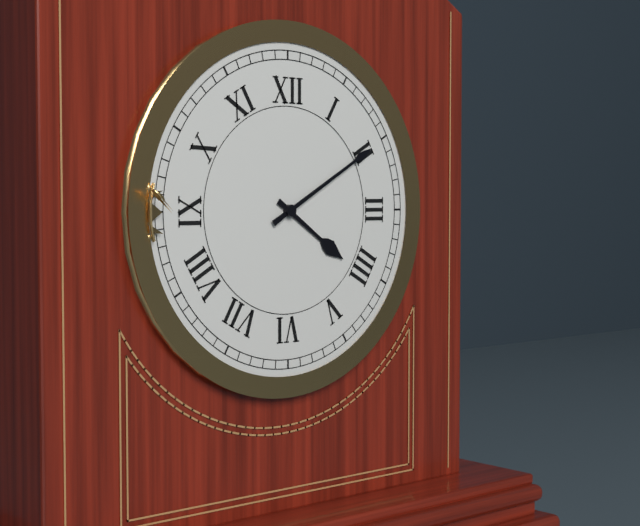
h=4 m=10
